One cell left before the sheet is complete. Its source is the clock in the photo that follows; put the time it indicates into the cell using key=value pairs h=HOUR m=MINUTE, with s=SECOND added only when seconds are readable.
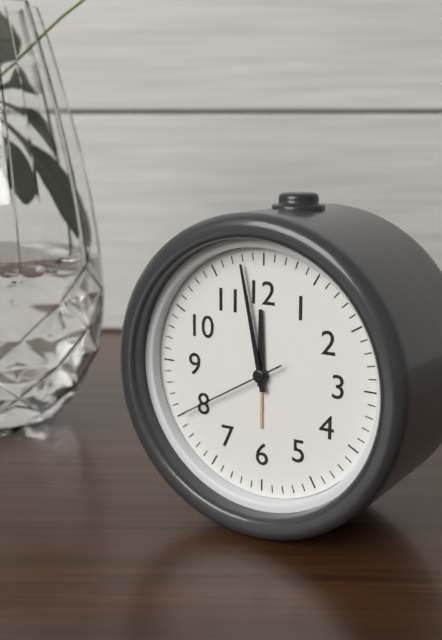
h=11 m=58 s=40
